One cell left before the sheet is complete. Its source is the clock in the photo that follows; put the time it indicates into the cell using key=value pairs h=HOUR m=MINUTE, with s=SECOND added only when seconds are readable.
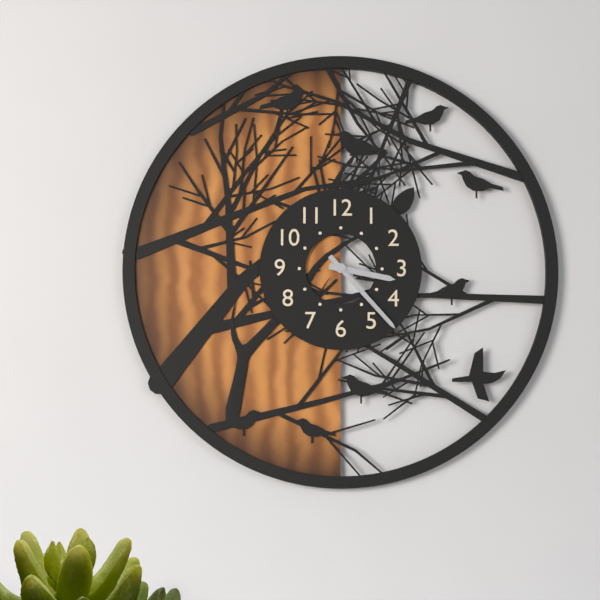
h=3 m=23
